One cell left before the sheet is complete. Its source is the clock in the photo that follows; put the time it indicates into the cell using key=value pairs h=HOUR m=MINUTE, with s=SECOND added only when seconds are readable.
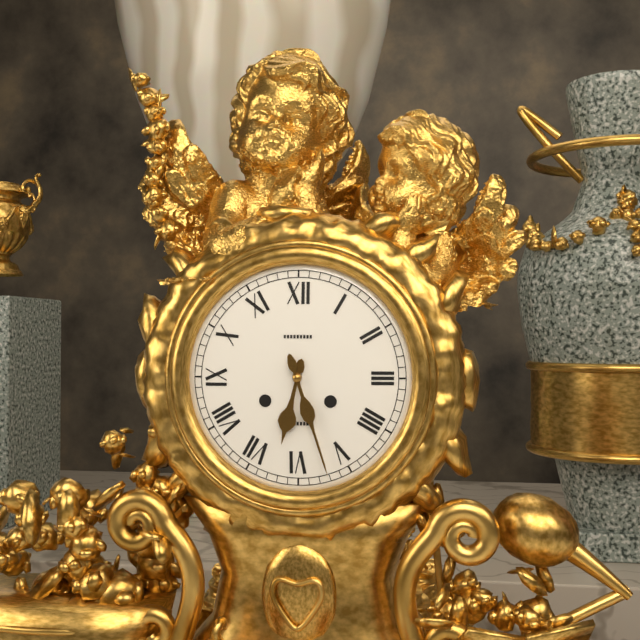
h=6 m=27
